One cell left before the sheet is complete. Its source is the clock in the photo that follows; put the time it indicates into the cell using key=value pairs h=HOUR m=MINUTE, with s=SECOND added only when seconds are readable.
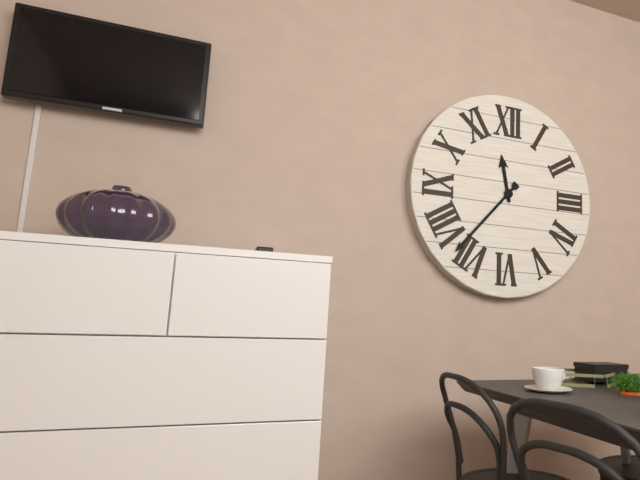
h=11 m=37
